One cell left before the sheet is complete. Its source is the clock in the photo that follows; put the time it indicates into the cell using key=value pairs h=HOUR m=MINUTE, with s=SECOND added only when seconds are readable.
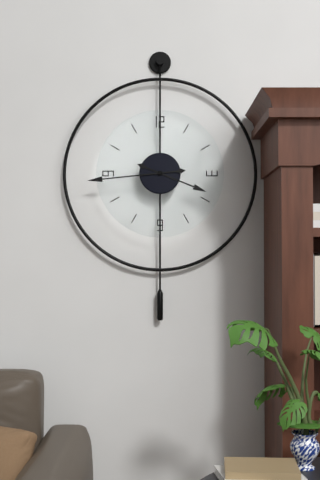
h=3 m=44
